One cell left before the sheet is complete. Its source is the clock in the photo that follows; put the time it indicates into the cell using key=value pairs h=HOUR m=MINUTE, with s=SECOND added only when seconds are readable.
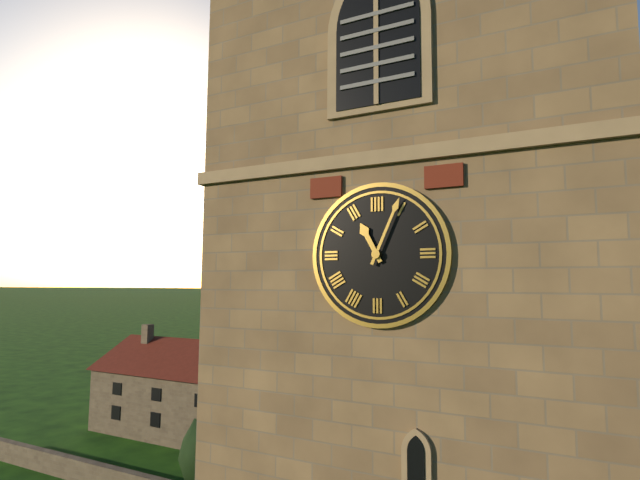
h=11 m=4
